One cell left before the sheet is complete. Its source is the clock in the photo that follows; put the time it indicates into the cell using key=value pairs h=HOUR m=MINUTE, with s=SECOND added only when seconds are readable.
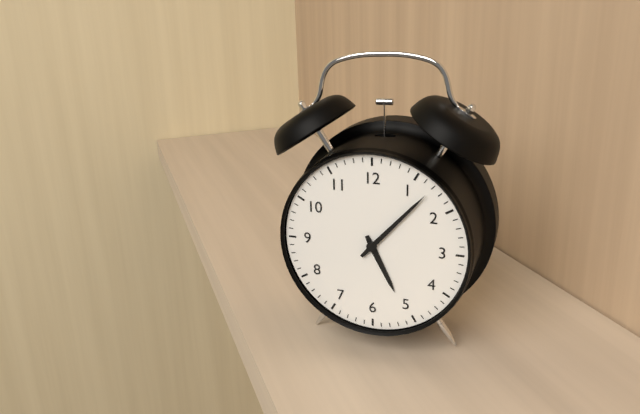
h=5 m=7
